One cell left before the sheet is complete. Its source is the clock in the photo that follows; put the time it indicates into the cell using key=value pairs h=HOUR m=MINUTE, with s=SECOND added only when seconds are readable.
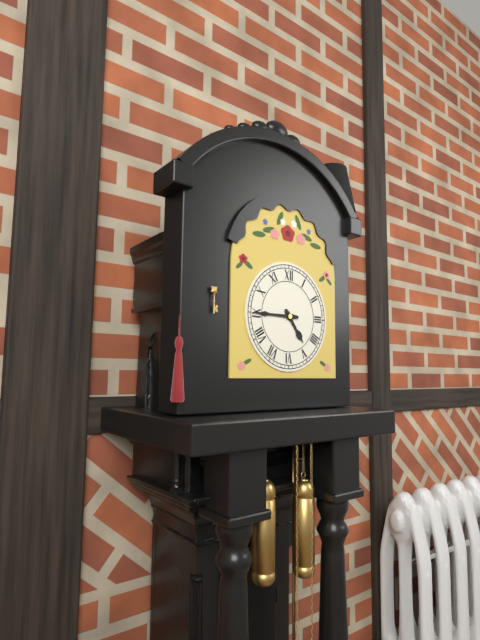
h=4 m=45
